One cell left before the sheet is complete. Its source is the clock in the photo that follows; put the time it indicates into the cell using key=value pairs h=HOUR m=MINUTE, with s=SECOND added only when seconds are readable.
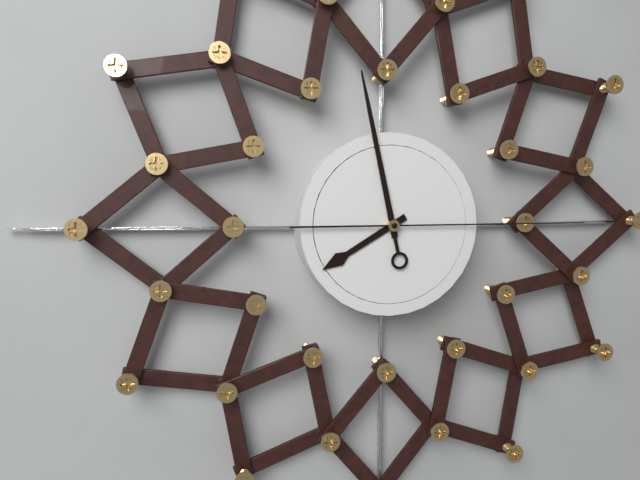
h=7 m=58 s=15
